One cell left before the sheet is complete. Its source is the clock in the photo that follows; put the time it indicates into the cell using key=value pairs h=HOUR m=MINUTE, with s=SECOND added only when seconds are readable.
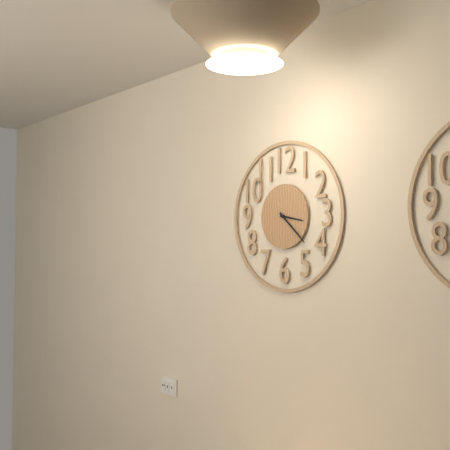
h=3 m=22
